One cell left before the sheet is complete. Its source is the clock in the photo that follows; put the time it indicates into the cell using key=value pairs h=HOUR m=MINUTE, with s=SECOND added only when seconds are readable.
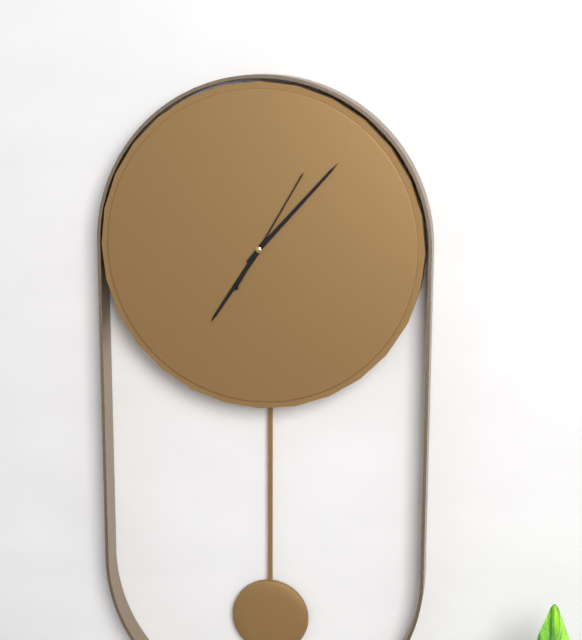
h=7 m=7 s=5
